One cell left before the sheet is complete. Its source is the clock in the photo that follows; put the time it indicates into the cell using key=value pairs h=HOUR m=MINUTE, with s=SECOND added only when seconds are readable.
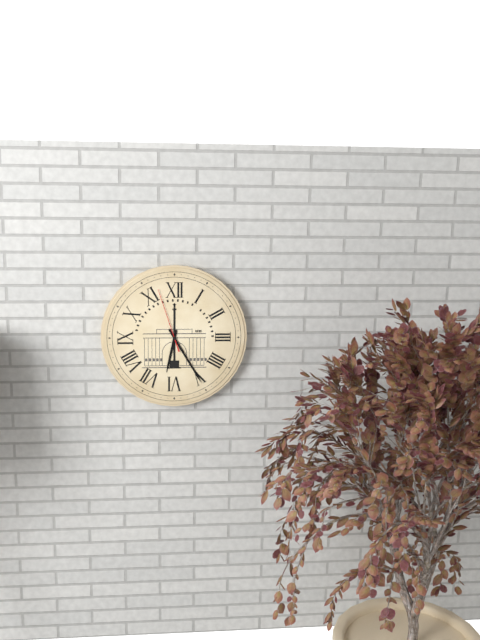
h=6 m=25 s=57
